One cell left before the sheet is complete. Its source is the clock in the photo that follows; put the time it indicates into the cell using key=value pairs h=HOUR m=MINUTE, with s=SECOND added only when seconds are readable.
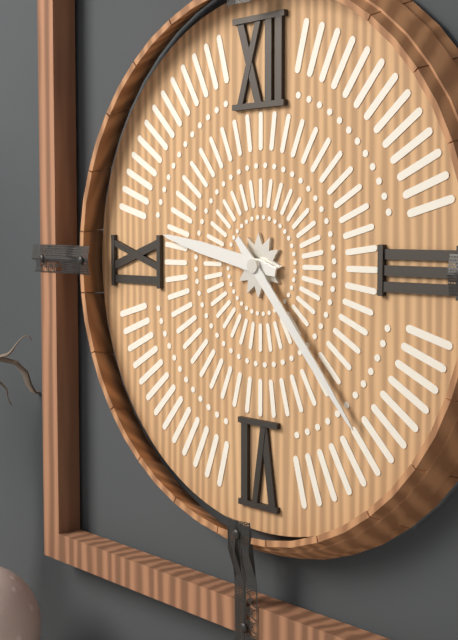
h=9 m=23
